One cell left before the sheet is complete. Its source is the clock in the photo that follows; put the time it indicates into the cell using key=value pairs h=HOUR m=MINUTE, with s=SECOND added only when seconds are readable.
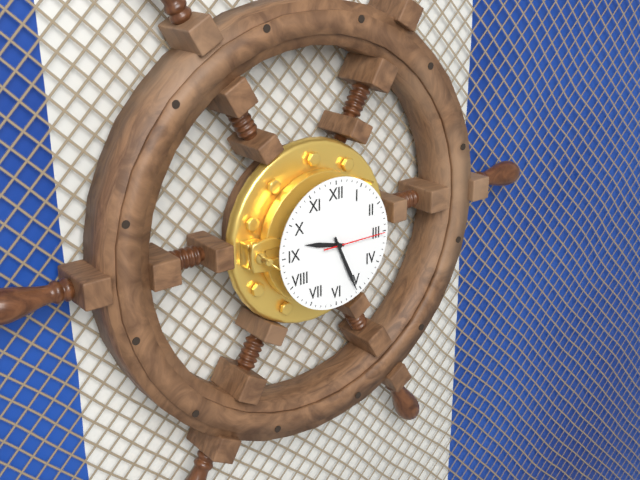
h=9 m=26 s=15
